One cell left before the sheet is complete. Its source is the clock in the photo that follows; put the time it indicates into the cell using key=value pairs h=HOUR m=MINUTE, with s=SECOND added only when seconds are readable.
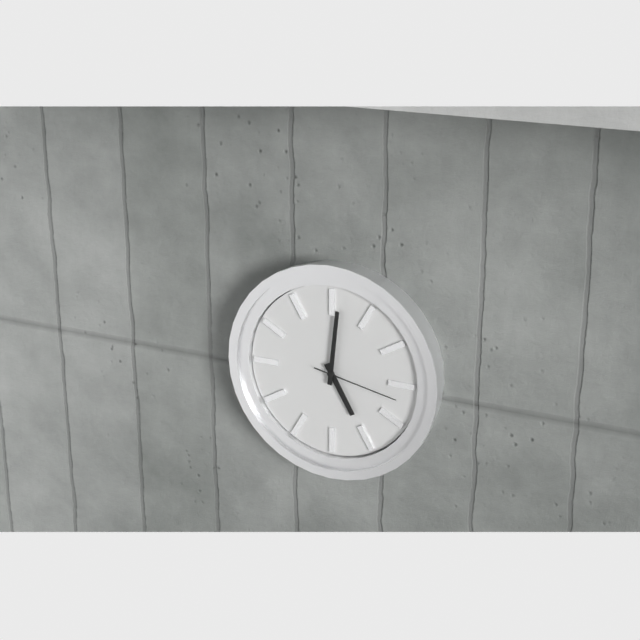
h=5 m=1 s=17
